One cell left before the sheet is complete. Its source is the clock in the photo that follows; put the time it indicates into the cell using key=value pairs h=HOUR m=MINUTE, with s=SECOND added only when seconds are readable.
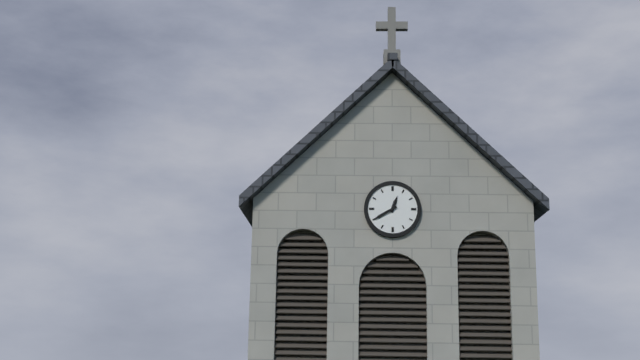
h=12 m=40
